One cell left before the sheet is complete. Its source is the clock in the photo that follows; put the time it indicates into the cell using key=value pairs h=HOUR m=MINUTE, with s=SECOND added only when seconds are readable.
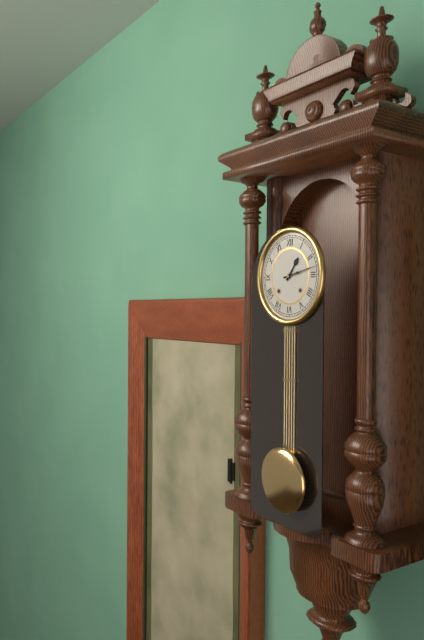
h=1 m=13
